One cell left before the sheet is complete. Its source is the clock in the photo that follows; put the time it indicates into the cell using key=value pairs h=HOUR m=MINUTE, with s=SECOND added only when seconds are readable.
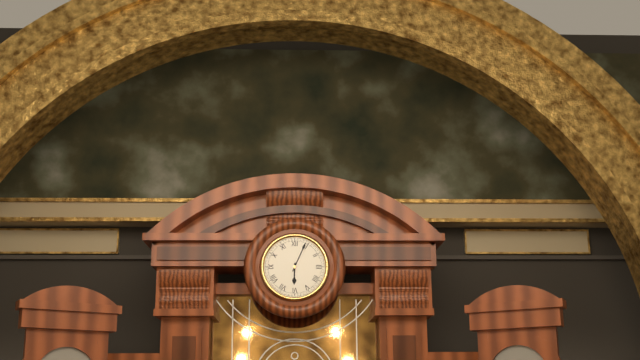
h=6 m=4
